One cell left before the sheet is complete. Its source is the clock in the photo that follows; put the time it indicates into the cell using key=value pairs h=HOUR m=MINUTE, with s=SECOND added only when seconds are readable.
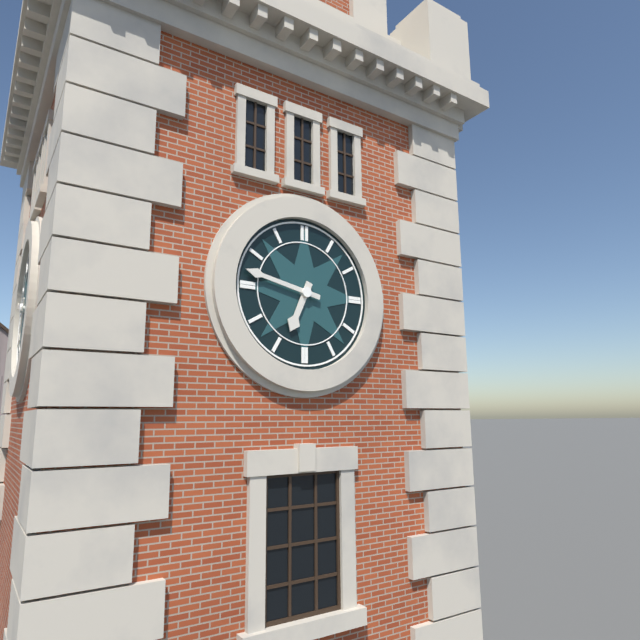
h=6 m=47
